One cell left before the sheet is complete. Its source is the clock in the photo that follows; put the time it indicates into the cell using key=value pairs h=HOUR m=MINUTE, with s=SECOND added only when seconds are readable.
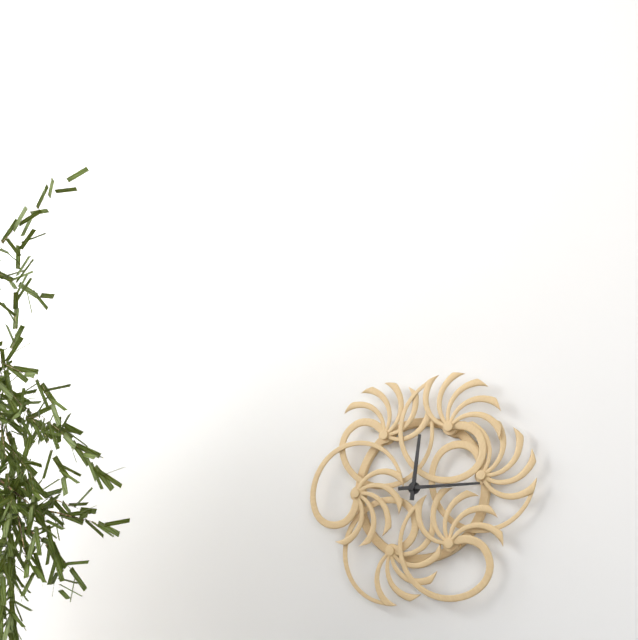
h=12 m=15
